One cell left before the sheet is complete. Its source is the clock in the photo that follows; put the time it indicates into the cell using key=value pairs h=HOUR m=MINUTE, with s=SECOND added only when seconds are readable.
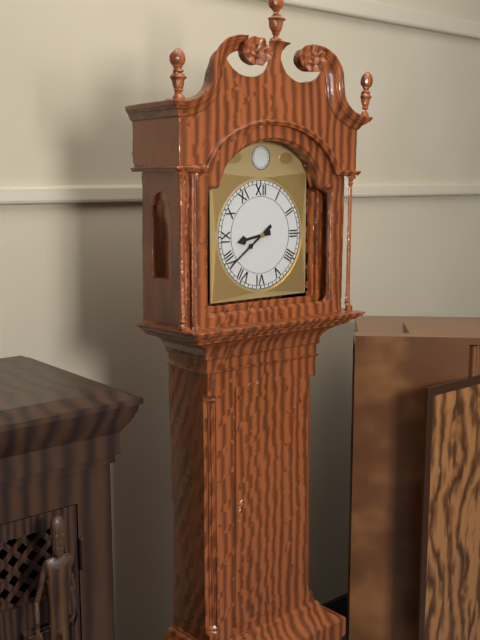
h=8 m=39
